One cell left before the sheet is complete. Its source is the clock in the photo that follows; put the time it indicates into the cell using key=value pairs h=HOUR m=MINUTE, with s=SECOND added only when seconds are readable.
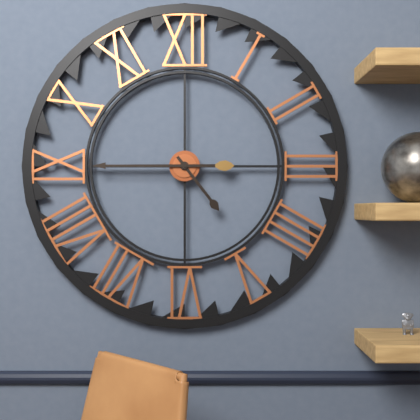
h=4 m=45
